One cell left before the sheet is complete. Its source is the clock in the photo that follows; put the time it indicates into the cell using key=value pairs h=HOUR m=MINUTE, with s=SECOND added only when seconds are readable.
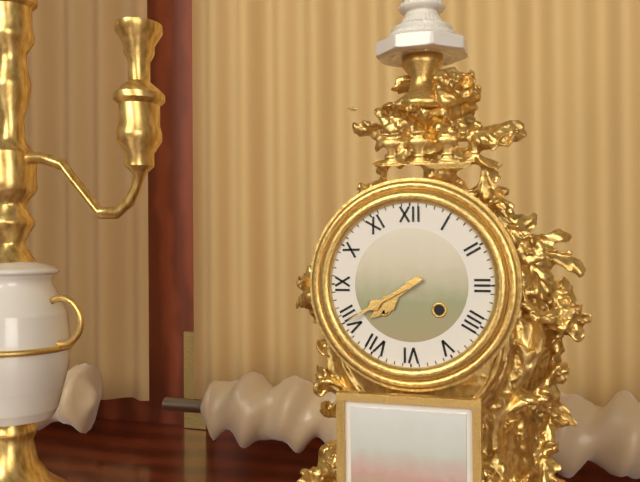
h=7 m=40
